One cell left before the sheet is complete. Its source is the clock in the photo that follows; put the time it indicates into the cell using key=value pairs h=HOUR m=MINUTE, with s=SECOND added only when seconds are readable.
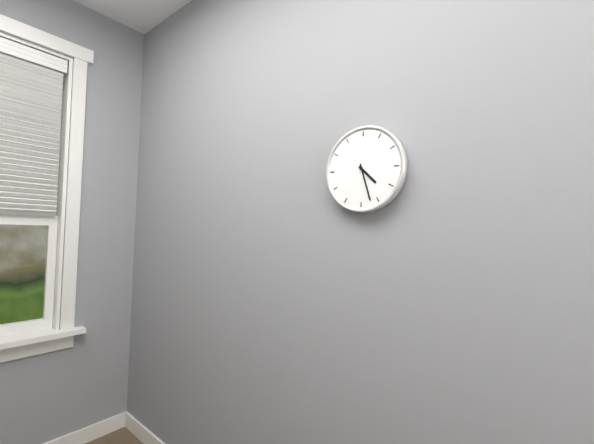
h=4 m=27
